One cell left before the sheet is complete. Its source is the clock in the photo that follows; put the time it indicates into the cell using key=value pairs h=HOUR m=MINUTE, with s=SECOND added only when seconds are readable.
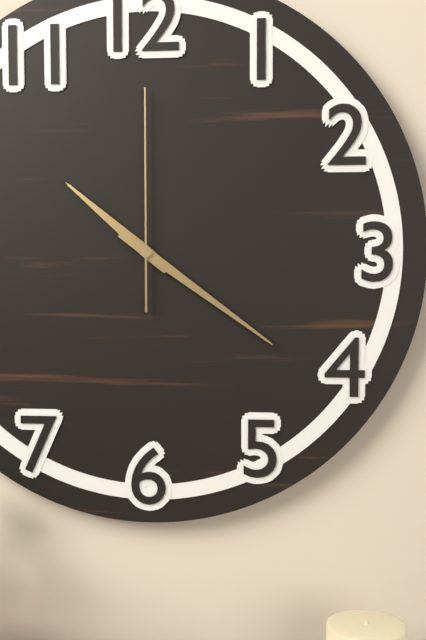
h=10 m=21 s=0
